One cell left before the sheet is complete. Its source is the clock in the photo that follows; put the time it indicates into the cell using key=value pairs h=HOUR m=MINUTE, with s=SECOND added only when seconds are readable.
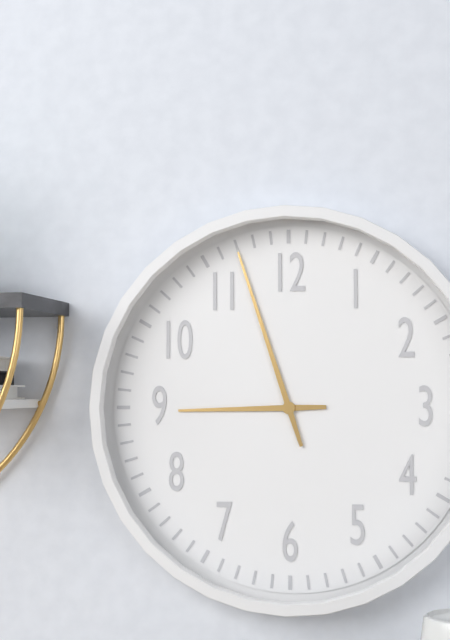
h=8 m=57
